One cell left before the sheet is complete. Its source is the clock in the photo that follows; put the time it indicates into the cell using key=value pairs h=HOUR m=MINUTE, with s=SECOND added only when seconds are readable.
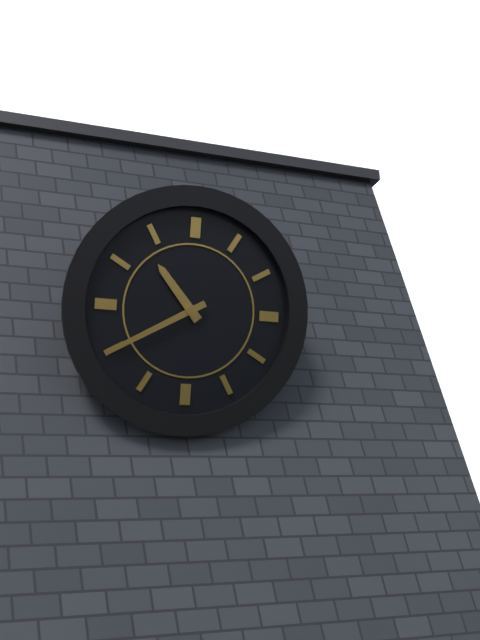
h=10 m=40
